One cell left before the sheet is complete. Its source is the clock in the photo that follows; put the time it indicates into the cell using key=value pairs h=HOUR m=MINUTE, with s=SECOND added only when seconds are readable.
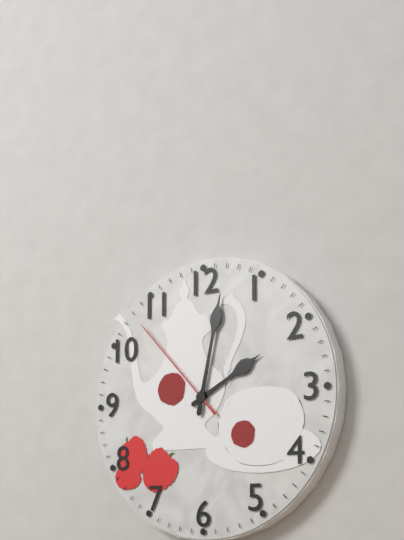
h=2 m=2 s=53
